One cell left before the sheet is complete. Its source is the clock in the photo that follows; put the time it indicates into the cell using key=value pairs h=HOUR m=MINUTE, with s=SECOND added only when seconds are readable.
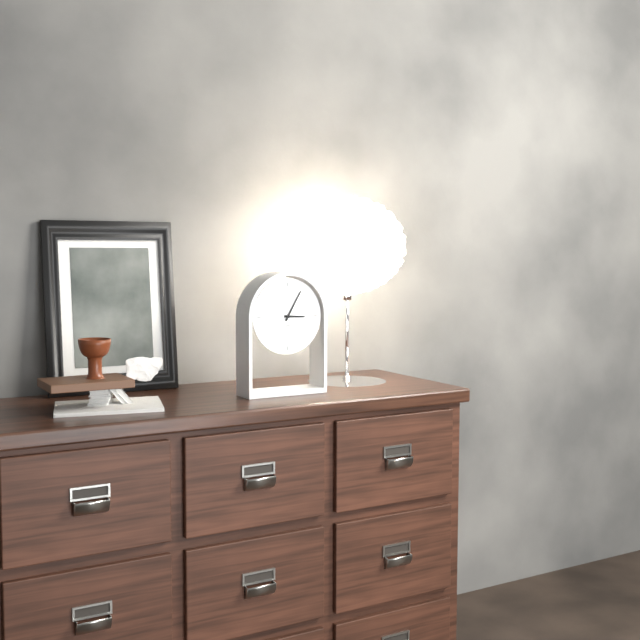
h=3 m=5
